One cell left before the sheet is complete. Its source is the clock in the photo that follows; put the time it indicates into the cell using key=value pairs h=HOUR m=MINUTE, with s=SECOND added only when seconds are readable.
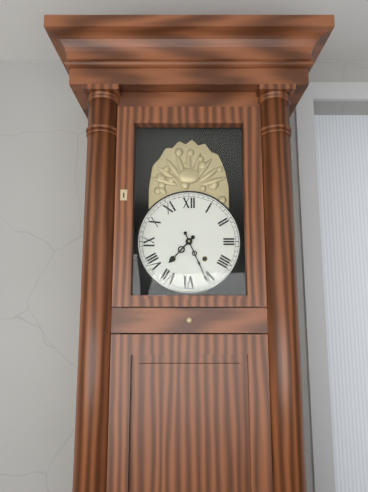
h=7 m=26
